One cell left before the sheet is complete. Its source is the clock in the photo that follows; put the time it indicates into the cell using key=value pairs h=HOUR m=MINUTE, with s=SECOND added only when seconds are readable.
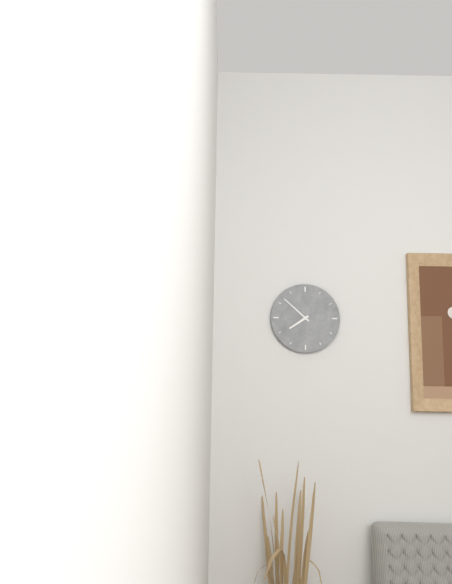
h=7 m=52
